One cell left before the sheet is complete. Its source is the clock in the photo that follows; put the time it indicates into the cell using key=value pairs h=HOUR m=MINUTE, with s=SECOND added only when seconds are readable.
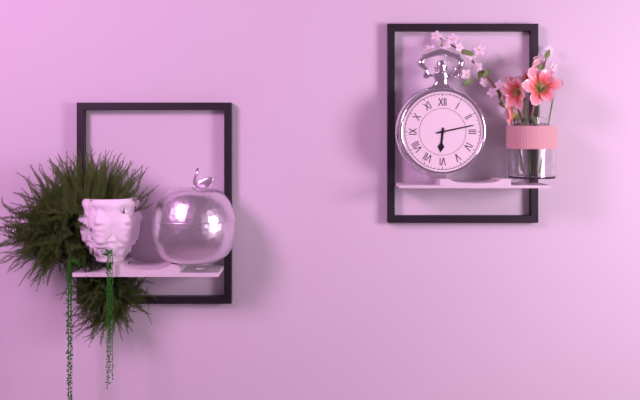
h=6 m=13
